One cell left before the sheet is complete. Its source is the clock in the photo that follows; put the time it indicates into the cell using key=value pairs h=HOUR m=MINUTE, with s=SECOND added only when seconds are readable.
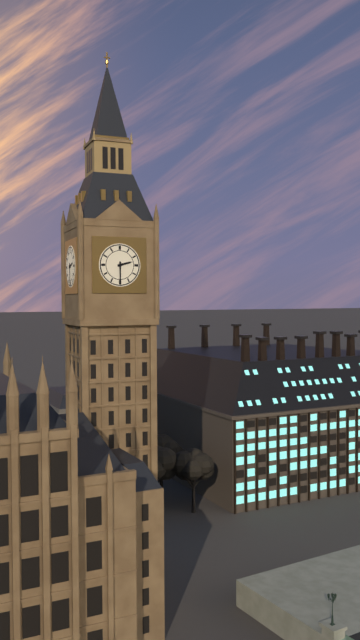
h=2 m=30
